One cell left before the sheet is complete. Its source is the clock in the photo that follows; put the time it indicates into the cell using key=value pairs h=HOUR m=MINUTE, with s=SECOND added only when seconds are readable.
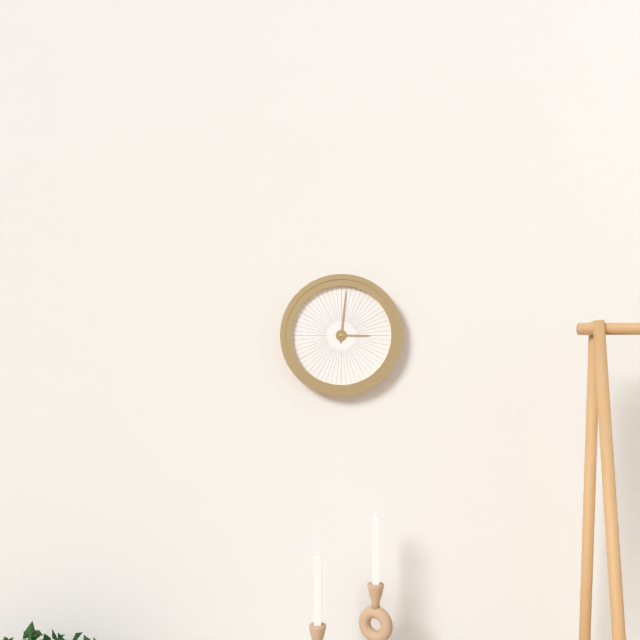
h=3 m=1
